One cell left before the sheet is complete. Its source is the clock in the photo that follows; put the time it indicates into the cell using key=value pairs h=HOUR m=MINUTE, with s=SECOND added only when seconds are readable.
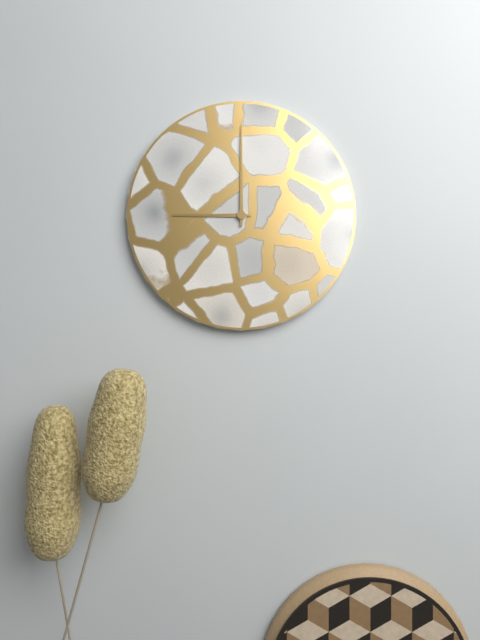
h=9 m=0
